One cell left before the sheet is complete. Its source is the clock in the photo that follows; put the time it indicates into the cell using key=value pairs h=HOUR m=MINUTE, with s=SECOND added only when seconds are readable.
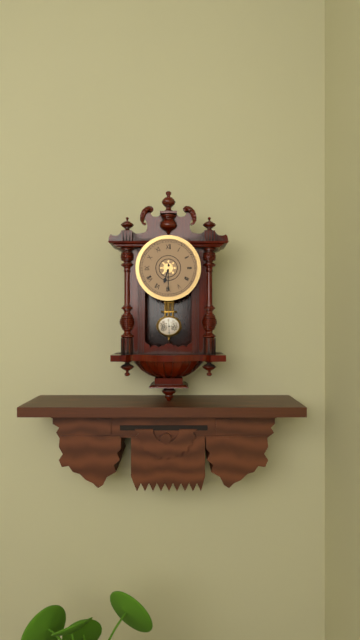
h=6 m=30
